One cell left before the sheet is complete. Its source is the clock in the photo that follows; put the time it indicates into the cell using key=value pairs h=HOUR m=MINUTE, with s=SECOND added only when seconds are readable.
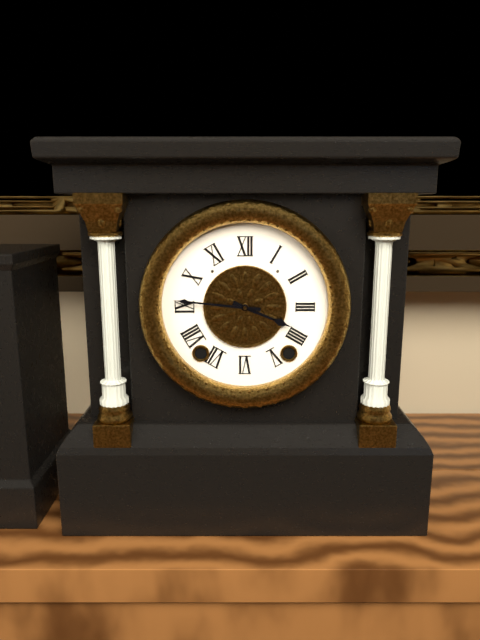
h=3 m=46
